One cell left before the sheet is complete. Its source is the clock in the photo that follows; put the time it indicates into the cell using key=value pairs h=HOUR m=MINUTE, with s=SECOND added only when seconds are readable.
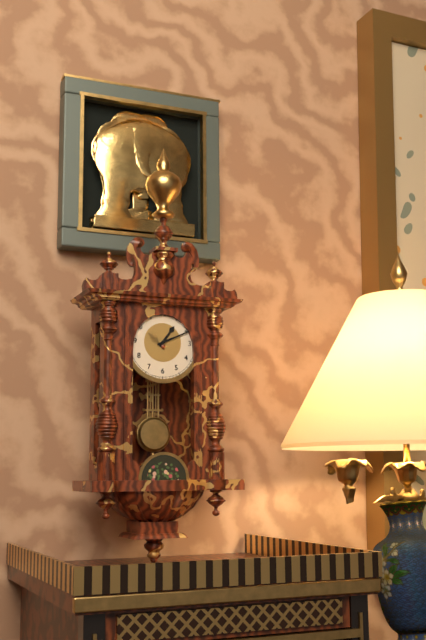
h=1 m=11
